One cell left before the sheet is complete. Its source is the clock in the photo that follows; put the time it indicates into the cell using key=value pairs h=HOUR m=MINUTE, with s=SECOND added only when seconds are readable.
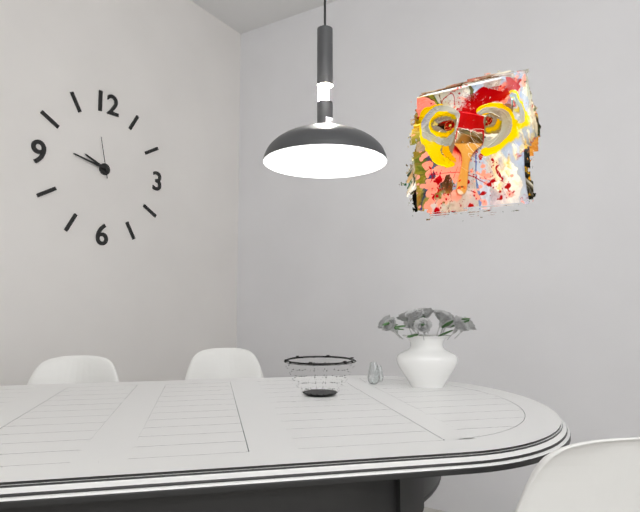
h=9 m=47
